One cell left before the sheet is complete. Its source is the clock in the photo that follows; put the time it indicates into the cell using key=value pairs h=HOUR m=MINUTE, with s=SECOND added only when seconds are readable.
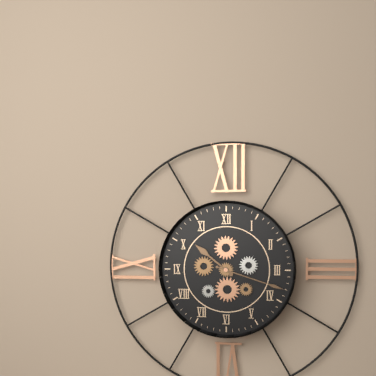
h=10 m=18
